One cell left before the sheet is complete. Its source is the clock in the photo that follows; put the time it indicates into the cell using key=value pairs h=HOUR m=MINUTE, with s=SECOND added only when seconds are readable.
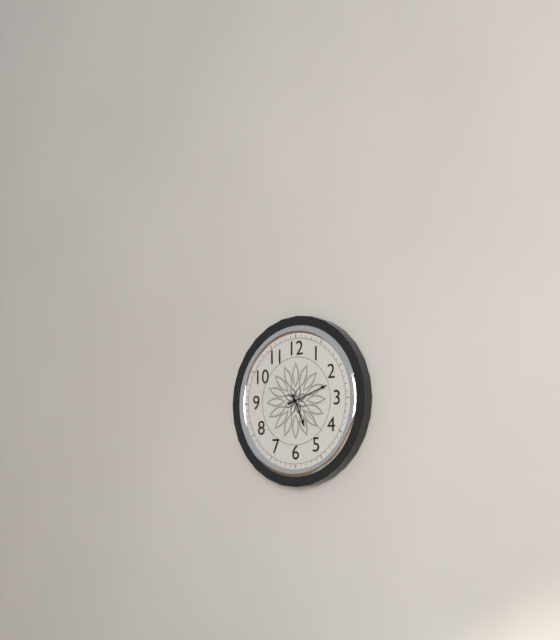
h=5 m=12 s=22
